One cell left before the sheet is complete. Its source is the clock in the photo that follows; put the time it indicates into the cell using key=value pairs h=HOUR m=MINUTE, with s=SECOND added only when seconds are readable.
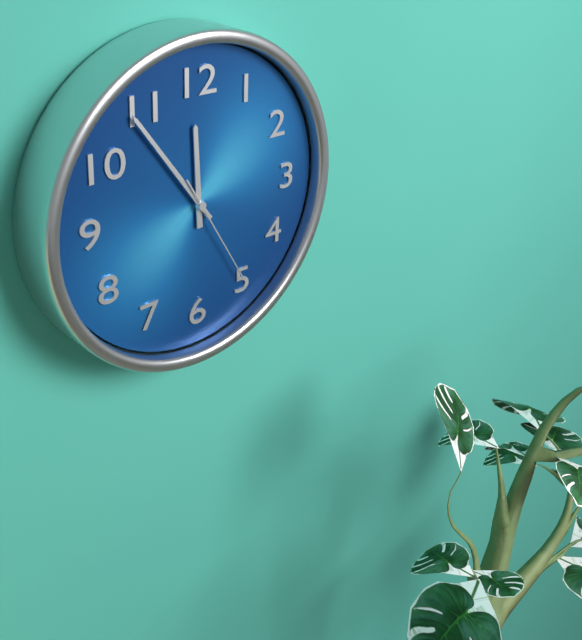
h=11 m=54 s=25
